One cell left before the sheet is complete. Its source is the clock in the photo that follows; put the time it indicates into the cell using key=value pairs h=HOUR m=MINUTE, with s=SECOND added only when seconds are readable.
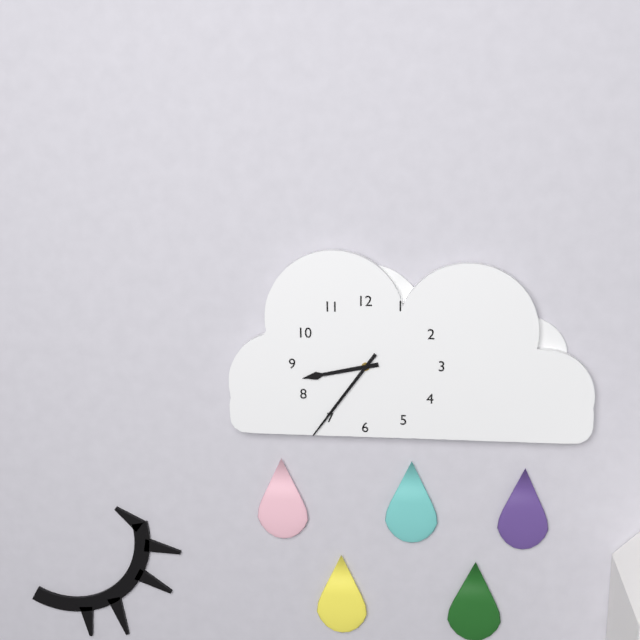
h=8 m=36
